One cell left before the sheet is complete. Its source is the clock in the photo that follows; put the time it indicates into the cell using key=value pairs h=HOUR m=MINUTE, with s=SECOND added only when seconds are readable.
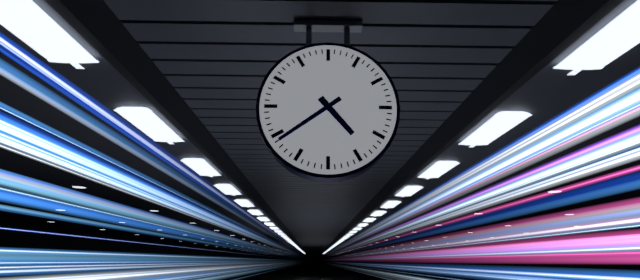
h=4 m=39
